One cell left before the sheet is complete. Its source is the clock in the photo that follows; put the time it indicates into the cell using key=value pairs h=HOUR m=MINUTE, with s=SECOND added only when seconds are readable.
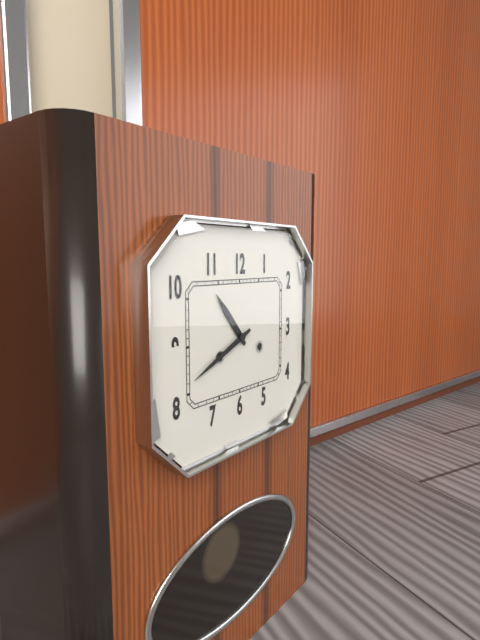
h=10 m=41
